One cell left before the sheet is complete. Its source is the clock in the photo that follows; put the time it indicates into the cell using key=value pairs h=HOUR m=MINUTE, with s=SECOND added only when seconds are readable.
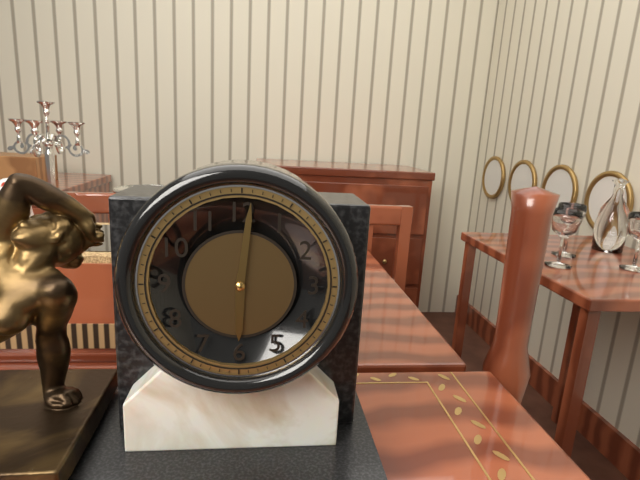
h=6 m=1
